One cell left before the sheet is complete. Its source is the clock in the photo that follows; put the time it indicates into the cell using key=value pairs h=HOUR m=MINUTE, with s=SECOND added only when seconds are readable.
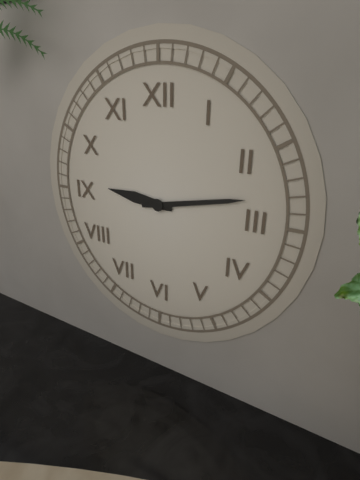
h=9 m=13
